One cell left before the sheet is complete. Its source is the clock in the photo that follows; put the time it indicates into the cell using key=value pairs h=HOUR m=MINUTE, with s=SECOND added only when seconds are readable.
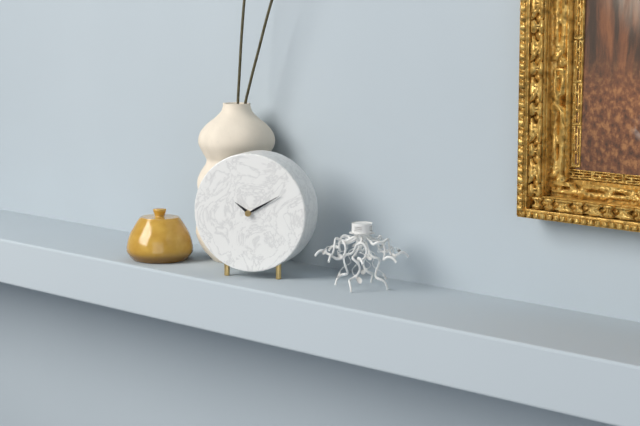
h=10 m=10
